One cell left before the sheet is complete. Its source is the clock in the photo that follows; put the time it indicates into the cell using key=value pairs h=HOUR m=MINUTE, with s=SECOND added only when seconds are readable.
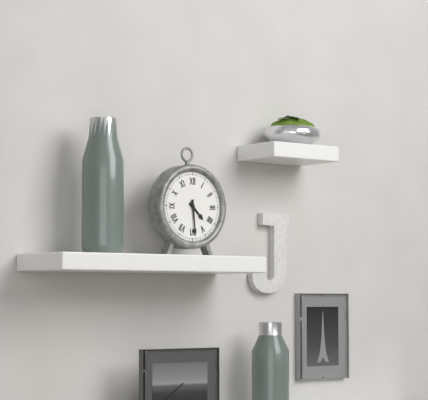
h=4 m=29
